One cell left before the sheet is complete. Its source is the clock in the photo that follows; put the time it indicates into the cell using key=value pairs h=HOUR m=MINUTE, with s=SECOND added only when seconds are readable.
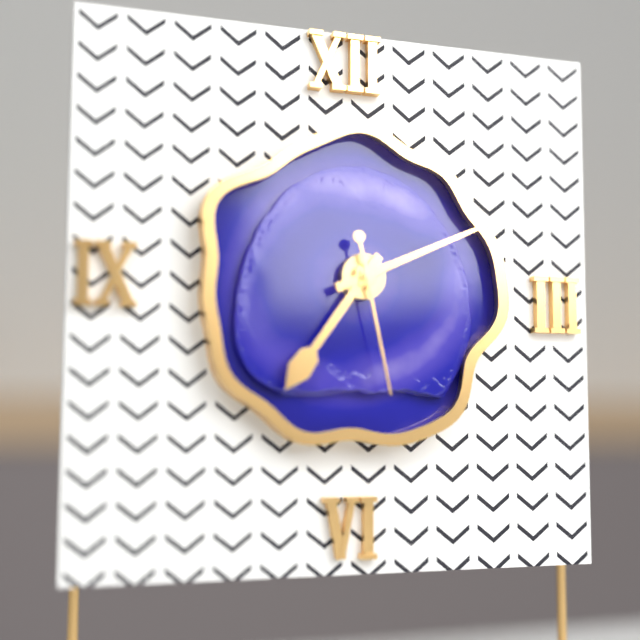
h=7 m=11 s=28
